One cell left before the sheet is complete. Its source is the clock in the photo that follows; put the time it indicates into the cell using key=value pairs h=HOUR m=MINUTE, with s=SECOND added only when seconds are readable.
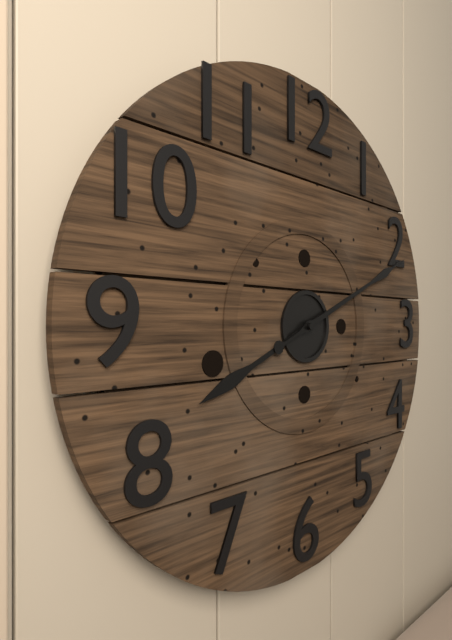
h=8 m=11
